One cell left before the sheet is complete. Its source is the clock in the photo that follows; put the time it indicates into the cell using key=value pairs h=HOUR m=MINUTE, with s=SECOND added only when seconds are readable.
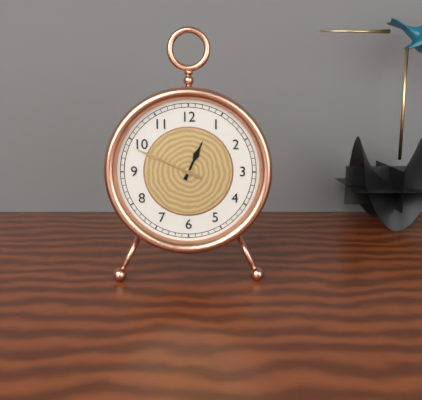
h=12 m=49
